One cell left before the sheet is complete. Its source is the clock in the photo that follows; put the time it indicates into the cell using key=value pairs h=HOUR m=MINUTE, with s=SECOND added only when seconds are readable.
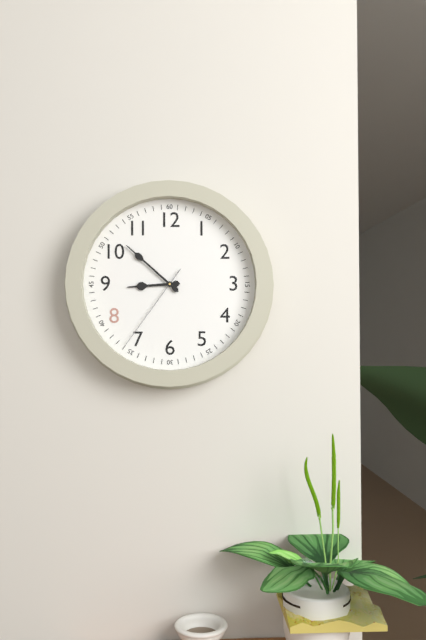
h=8 m=52 s=36
